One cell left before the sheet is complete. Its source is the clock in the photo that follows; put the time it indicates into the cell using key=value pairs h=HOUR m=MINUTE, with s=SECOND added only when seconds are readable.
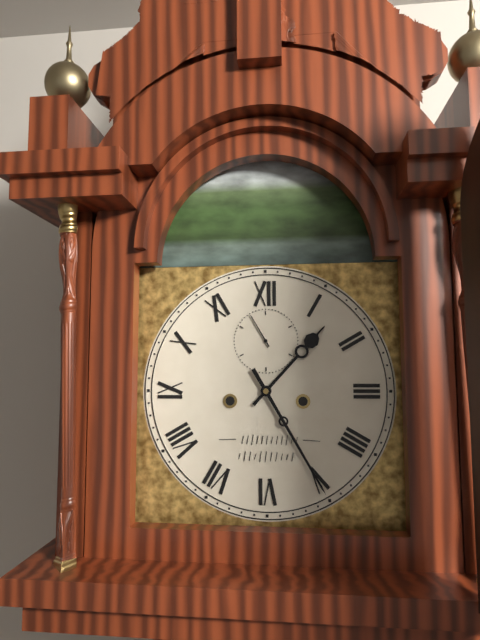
h=1 m=25
